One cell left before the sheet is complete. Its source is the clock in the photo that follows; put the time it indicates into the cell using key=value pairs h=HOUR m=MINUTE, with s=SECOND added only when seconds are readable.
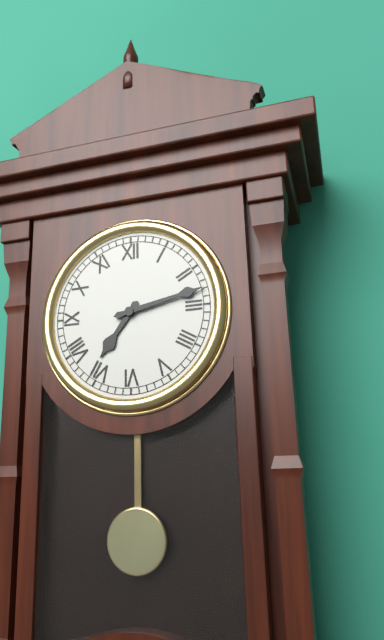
h=7 m=13
